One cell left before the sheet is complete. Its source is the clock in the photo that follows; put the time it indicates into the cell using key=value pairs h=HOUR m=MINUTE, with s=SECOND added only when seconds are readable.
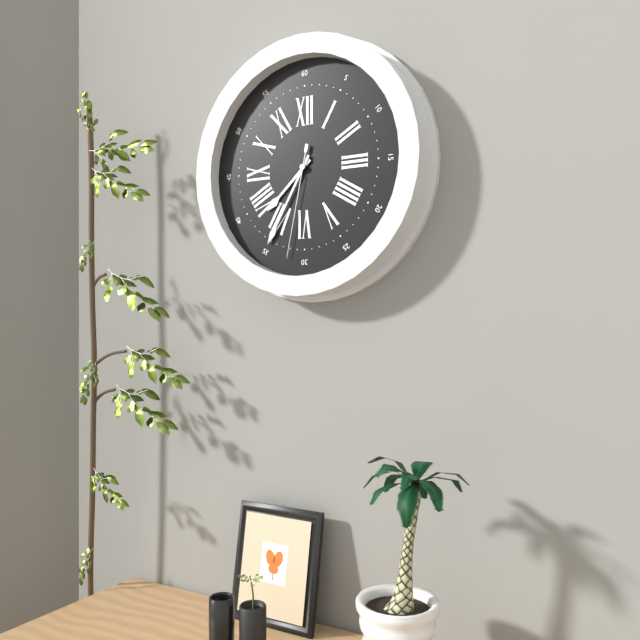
h=7 m=35 s=32
